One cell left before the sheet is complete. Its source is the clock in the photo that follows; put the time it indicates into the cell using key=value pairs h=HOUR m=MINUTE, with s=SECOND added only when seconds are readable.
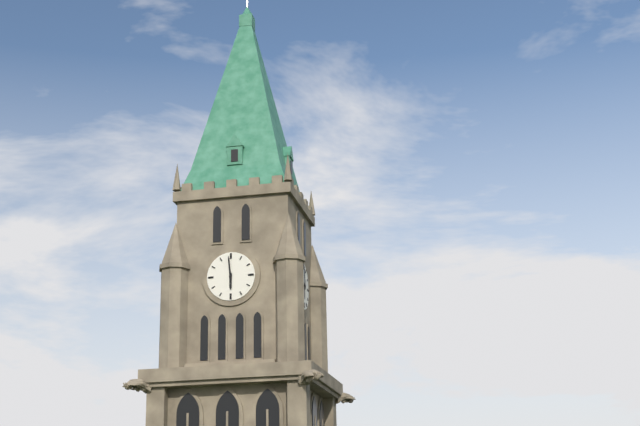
h=5 m=59
